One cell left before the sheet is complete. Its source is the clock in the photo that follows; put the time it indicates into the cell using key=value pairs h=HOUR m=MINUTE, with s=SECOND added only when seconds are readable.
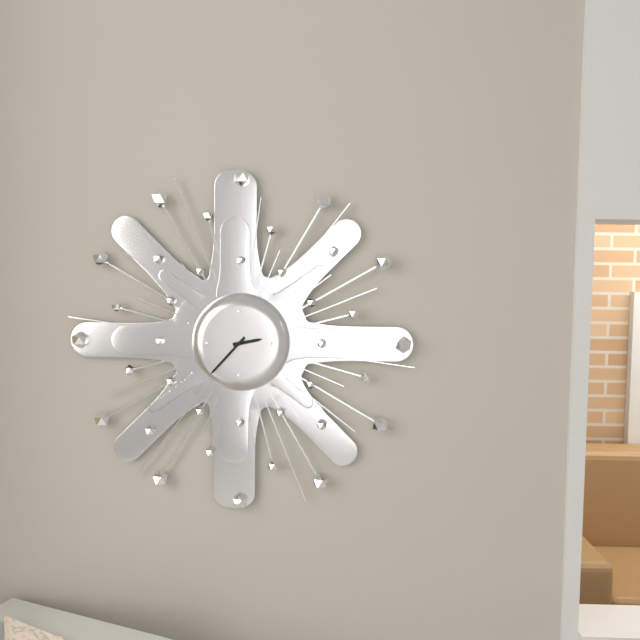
h=2 m=37
